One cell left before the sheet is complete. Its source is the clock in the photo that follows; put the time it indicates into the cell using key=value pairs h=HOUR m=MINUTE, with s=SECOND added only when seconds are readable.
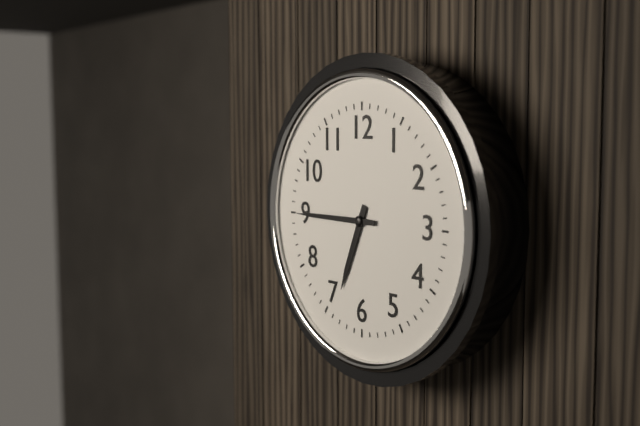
h=6 m=45
